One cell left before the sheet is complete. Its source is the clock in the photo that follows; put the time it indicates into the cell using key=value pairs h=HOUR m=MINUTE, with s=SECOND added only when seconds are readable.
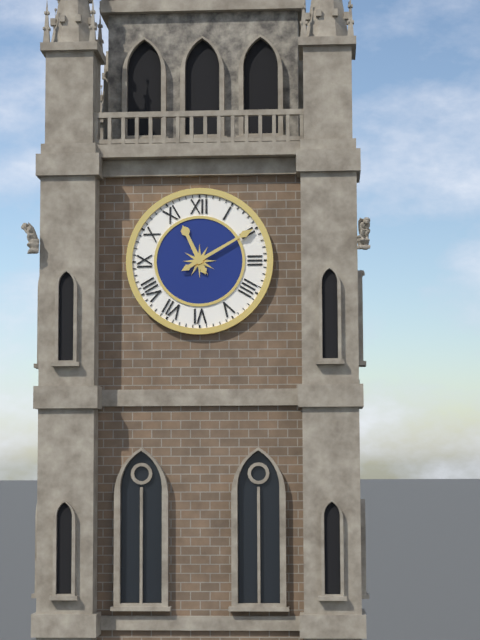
h=11 m=10
